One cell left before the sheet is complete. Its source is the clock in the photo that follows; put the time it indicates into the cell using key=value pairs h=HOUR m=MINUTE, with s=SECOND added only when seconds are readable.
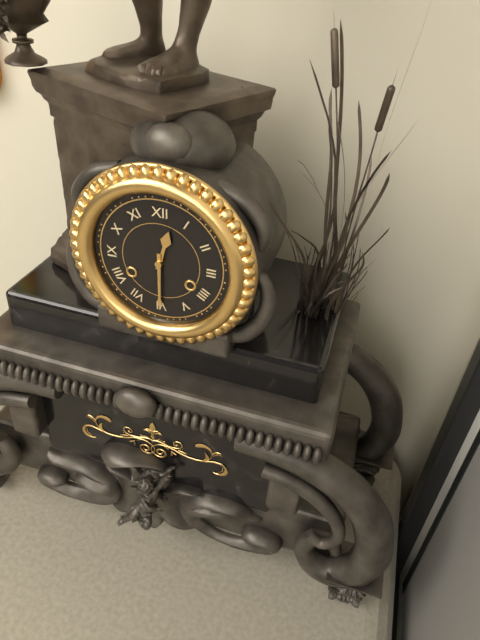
h=12 m=30
